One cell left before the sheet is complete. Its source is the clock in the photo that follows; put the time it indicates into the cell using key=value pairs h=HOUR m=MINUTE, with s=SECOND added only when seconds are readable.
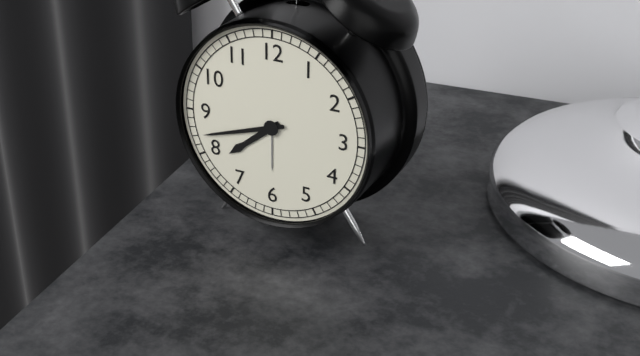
h=7 m=42
